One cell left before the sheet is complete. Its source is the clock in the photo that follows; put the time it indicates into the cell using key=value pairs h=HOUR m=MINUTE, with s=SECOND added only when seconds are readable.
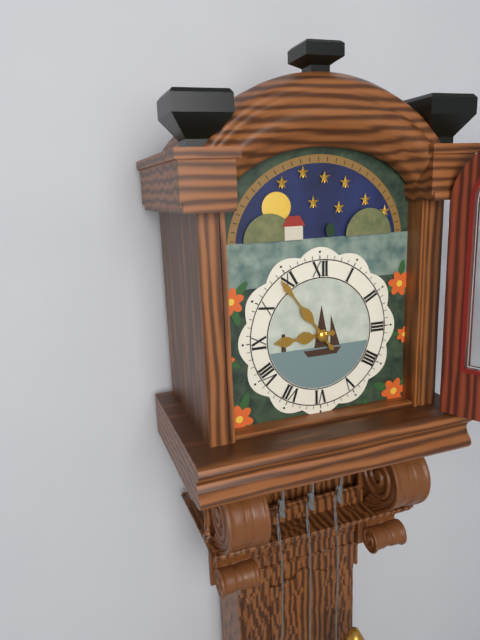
h=8 m=54
